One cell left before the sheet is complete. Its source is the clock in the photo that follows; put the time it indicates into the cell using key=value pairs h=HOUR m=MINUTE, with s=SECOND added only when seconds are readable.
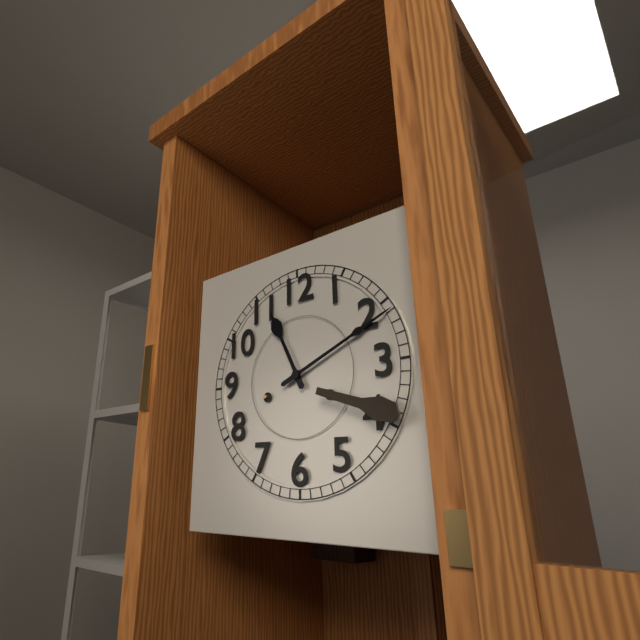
h=11 m=11
